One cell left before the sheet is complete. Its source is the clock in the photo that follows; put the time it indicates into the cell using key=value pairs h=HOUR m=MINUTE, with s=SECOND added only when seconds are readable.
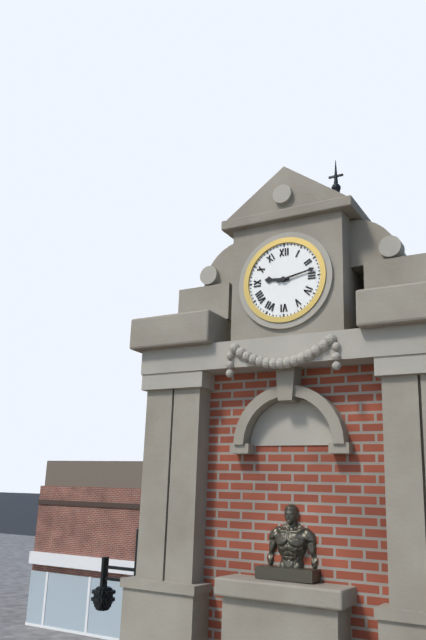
h=9 m=13
